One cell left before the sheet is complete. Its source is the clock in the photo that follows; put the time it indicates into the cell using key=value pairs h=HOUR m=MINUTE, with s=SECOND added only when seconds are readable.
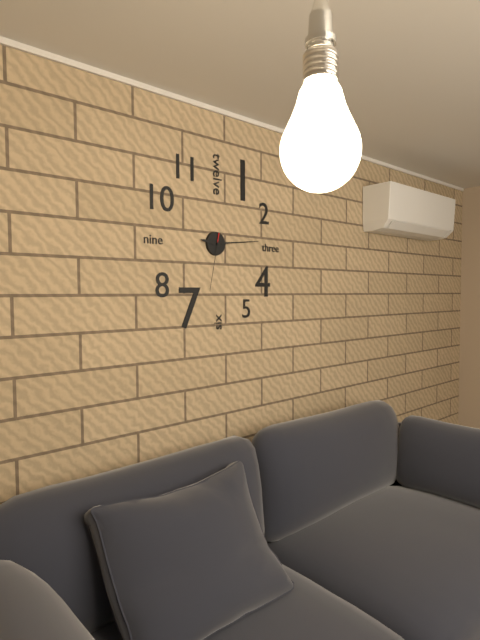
h=9 m=14 s=32
